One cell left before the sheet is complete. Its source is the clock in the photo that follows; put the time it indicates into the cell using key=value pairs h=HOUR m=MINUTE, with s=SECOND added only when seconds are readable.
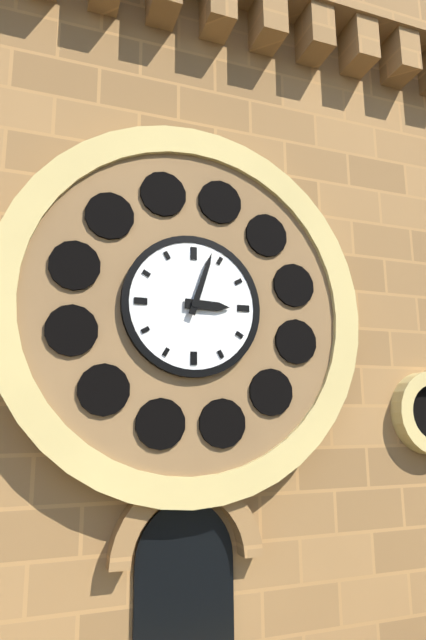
h=3 m=3
